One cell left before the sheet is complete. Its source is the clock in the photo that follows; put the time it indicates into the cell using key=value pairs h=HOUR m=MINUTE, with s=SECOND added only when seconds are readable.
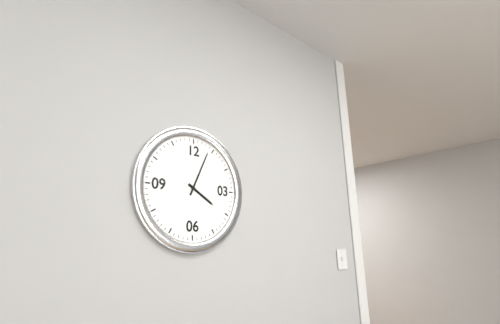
h=4 m=4
